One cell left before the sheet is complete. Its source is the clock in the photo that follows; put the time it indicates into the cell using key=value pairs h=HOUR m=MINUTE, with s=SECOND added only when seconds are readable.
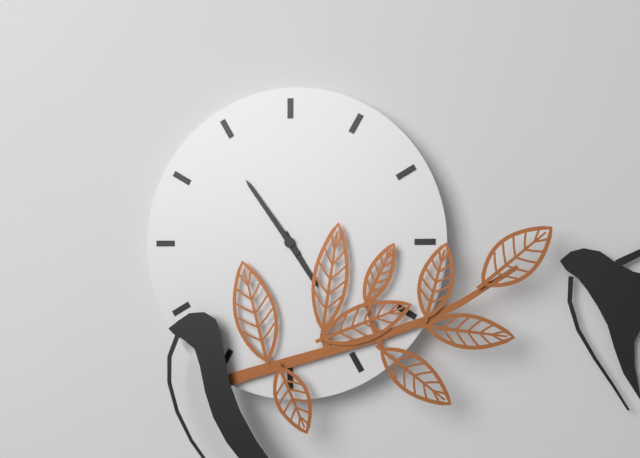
h=4 m=54
